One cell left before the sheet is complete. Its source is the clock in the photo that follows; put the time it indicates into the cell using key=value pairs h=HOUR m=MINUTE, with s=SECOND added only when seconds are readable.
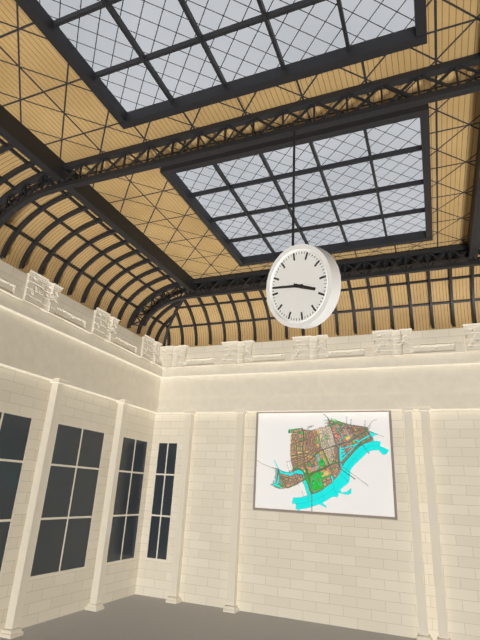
h=3 m=47
